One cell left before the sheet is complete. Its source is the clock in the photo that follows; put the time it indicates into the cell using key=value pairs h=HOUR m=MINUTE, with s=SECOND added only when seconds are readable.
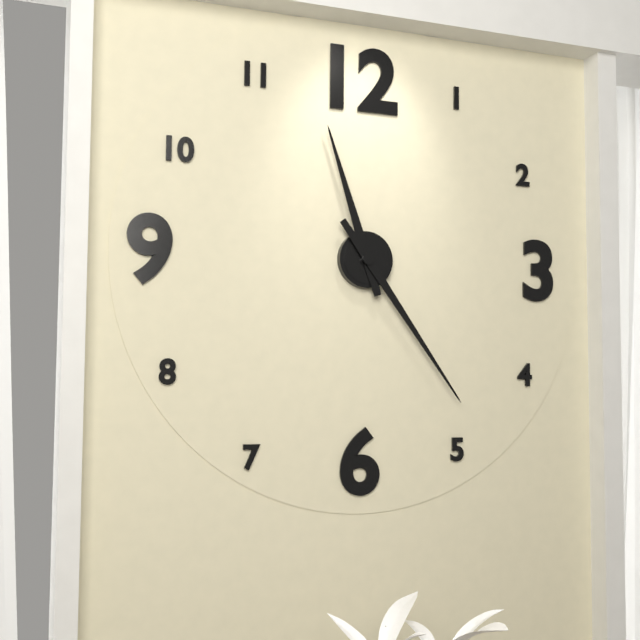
h=11 m=24
